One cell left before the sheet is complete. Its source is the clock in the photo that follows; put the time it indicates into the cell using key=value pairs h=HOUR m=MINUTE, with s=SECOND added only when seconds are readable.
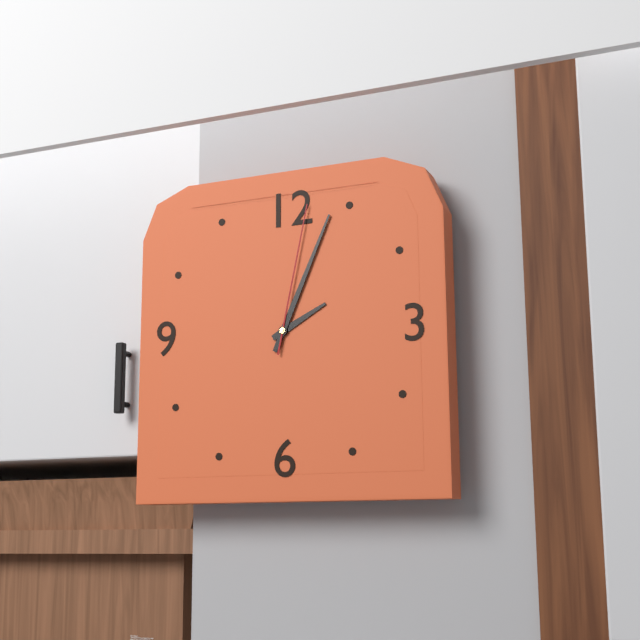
h=2 m=4 s=2
